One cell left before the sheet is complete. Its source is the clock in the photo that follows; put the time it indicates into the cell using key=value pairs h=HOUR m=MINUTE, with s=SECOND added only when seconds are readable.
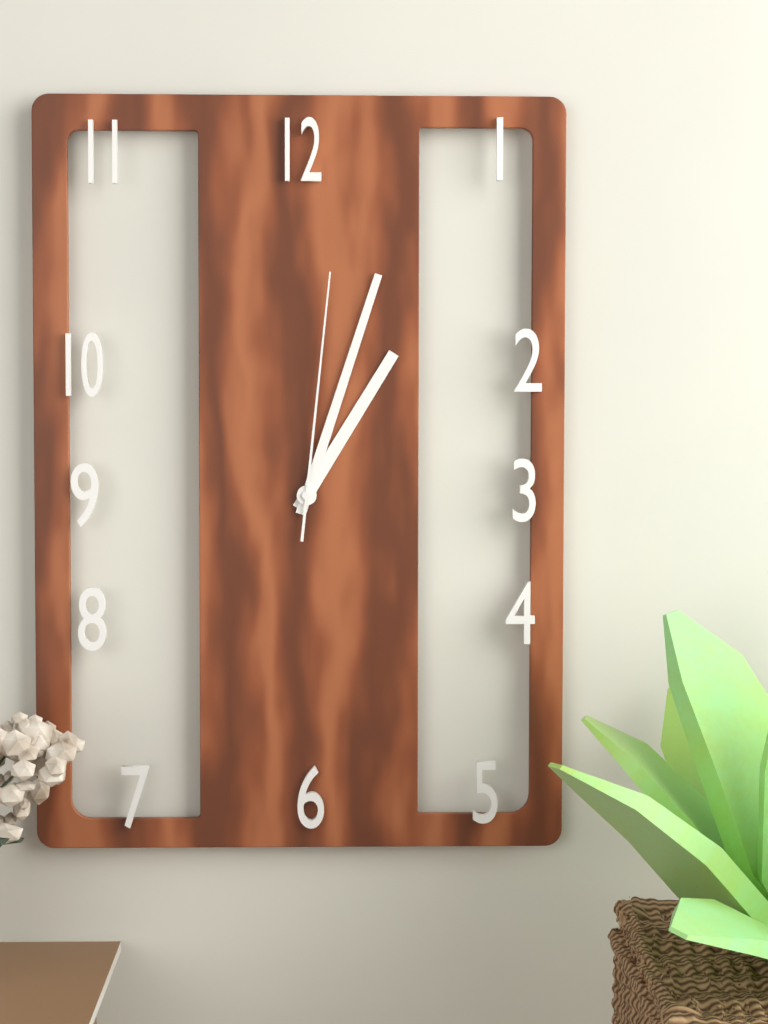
h=1 m=3 s=1
